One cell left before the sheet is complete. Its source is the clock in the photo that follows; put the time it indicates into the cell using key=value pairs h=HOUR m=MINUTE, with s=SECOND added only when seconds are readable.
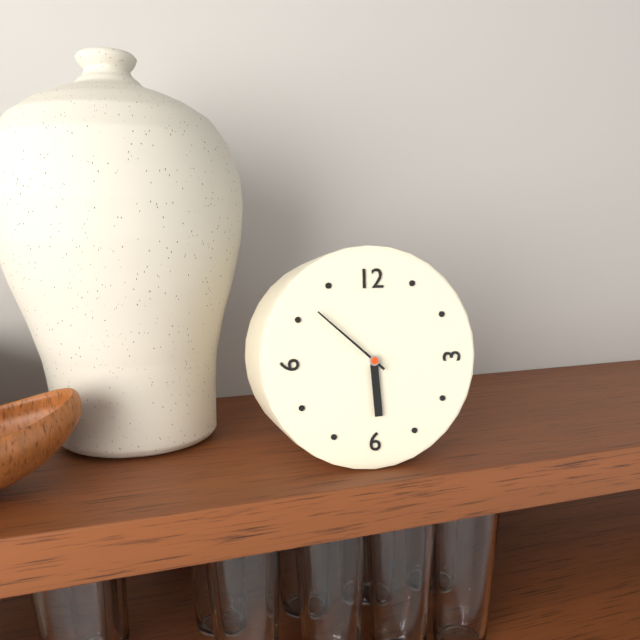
h=5 m=52
